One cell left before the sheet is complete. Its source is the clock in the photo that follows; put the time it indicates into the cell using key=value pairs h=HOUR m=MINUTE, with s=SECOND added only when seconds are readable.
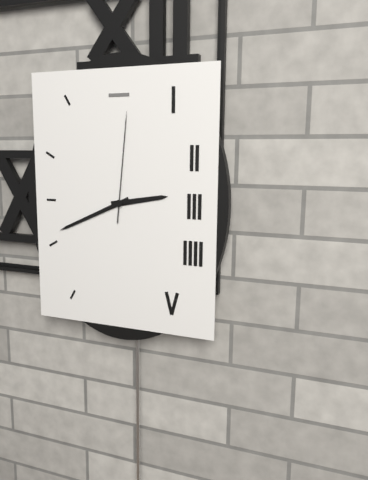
h=2 m=41 s=1
